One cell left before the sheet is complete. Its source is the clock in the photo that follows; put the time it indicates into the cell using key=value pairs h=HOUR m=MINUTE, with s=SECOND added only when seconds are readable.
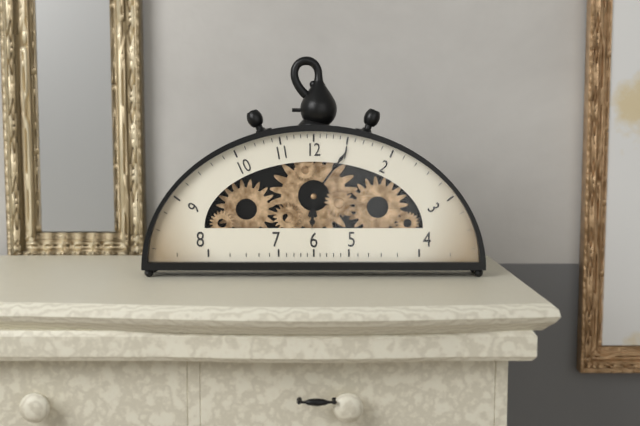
h=6 m=6
